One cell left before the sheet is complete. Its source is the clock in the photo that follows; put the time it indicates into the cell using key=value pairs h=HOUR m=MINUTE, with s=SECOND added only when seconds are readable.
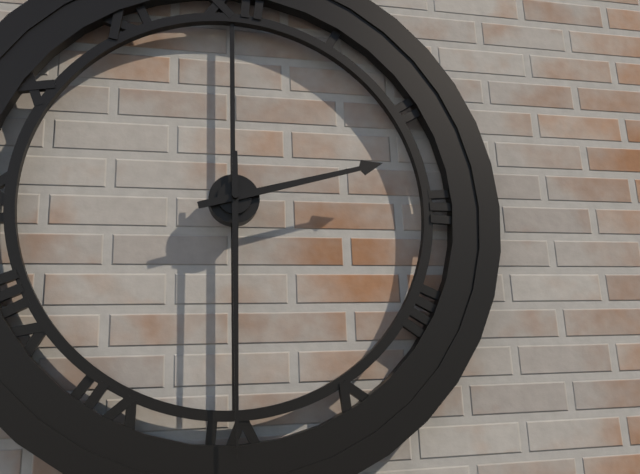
h=2 m=30
